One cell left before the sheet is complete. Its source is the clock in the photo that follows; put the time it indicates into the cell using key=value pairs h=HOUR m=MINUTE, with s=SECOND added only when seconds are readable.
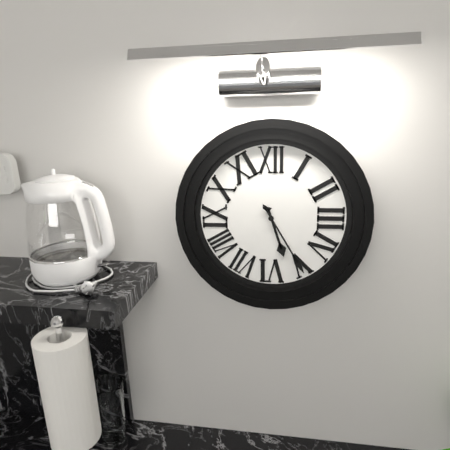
h=5 m=25
